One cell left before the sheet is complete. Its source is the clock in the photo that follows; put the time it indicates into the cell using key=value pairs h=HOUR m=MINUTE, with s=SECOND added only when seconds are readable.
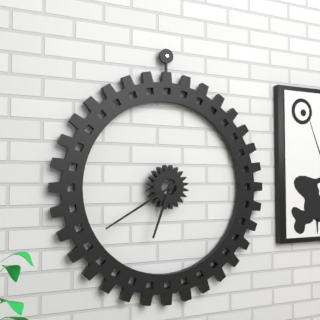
h=6 m=40
